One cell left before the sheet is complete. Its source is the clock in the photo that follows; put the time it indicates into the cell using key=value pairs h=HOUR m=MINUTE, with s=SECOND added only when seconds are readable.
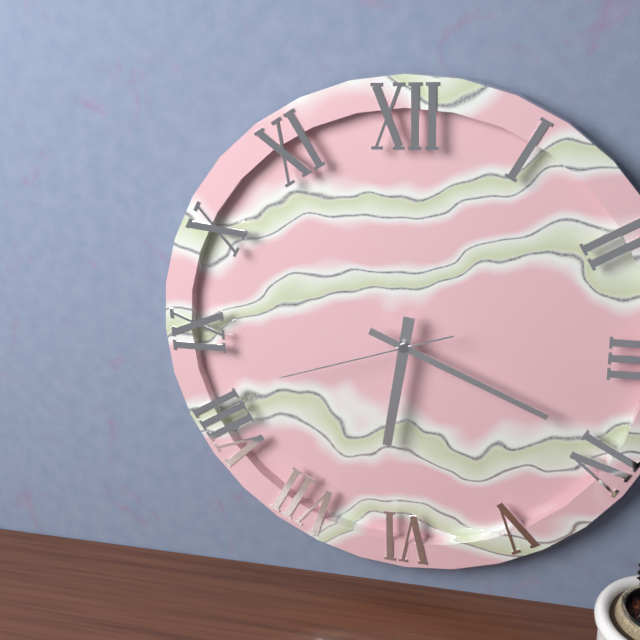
h=6 m=19 s=42
